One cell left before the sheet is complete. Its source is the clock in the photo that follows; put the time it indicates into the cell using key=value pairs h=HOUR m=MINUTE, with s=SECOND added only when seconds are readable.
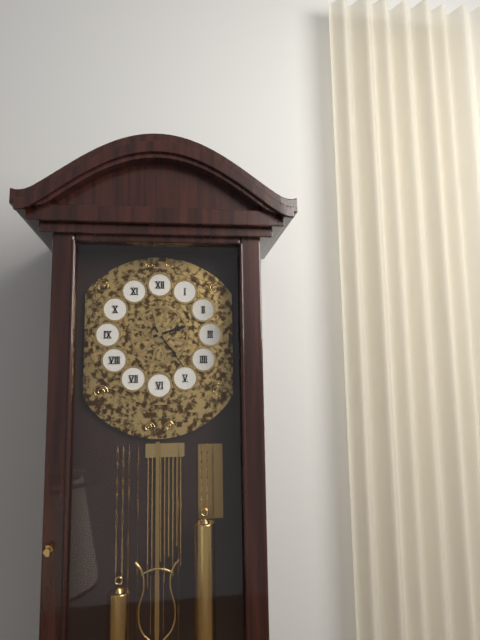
h=2 m=24
